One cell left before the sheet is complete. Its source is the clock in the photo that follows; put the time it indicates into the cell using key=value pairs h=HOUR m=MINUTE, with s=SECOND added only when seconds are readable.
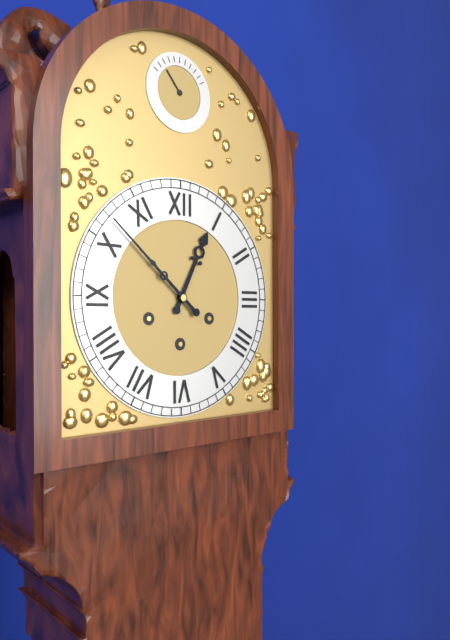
h=12 m=52
